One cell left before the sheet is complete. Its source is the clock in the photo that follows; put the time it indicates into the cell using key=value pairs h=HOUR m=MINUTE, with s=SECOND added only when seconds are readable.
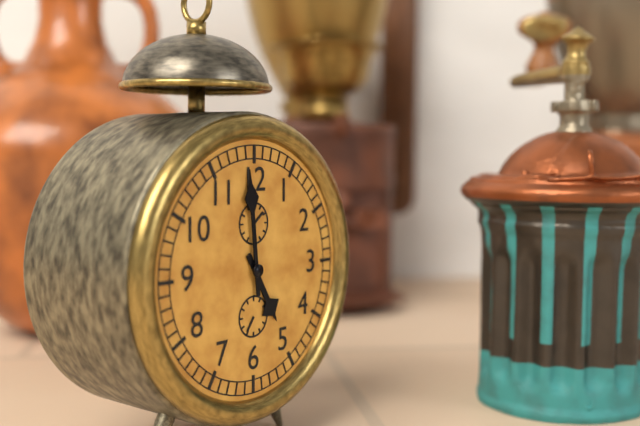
h=4 m=59
